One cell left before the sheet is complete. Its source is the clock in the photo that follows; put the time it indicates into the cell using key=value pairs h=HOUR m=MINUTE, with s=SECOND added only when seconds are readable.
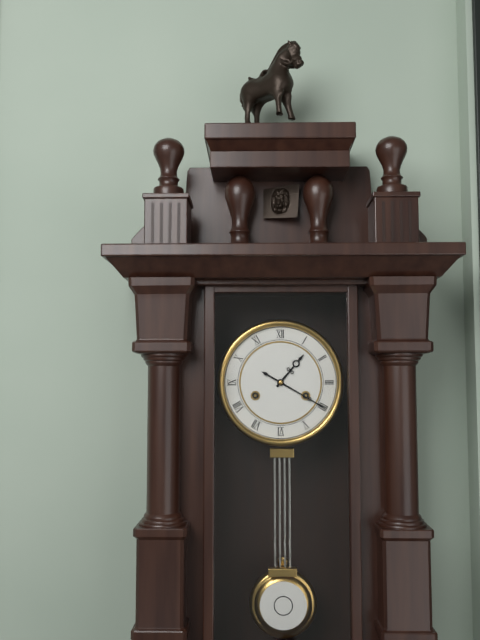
h=1 m=20
